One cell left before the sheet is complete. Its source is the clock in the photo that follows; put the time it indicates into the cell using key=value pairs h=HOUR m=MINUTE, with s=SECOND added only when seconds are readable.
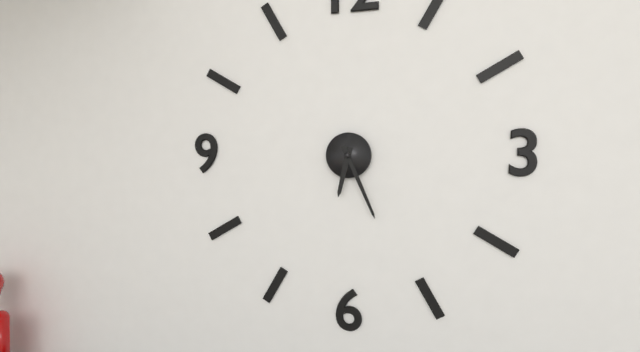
h=6 m=26
